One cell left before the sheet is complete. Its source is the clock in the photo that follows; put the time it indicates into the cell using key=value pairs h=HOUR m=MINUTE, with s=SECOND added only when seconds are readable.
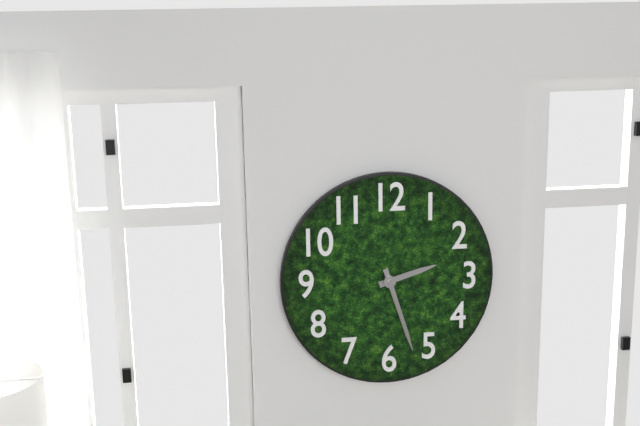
h=2 m=27
